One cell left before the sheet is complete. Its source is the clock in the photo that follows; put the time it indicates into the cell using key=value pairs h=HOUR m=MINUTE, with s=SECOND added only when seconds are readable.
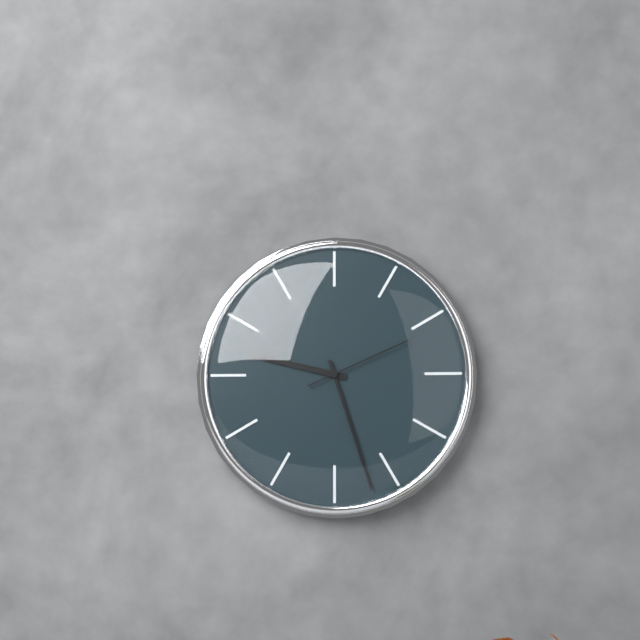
h=9 m=27 s=11
